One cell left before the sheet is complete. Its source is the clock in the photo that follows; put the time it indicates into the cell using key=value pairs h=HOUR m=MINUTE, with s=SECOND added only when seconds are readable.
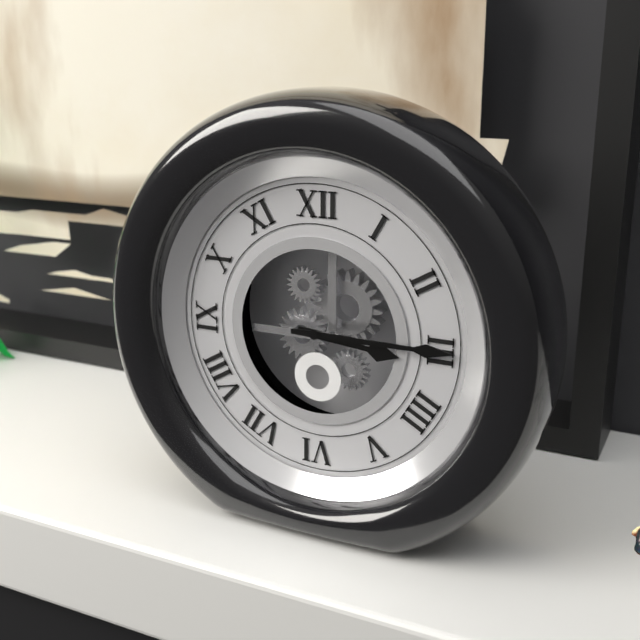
h=3 m=15
